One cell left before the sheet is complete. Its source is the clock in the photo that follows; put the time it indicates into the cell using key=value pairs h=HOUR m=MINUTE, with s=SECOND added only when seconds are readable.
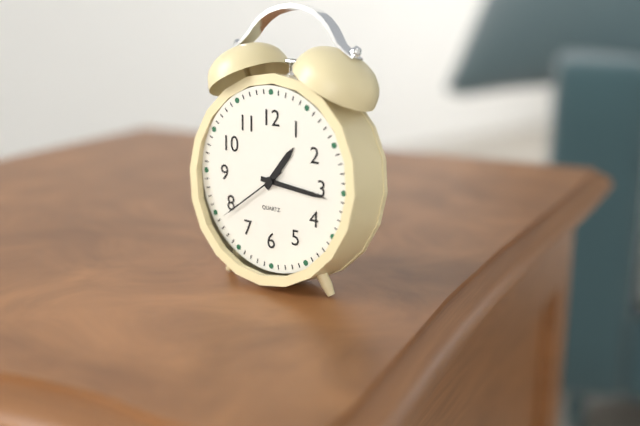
h=1 m=16 s=39
